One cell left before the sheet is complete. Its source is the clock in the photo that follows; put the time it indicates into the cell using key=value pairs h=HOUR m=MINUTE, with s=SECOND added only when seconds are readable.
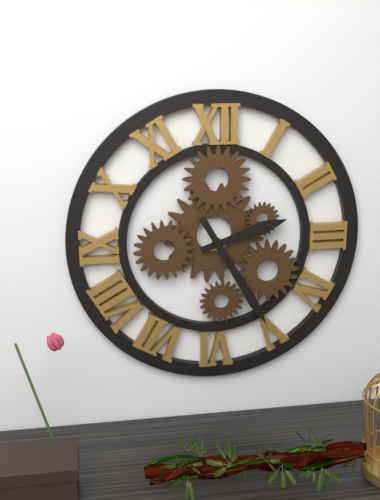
h=2 m=25
